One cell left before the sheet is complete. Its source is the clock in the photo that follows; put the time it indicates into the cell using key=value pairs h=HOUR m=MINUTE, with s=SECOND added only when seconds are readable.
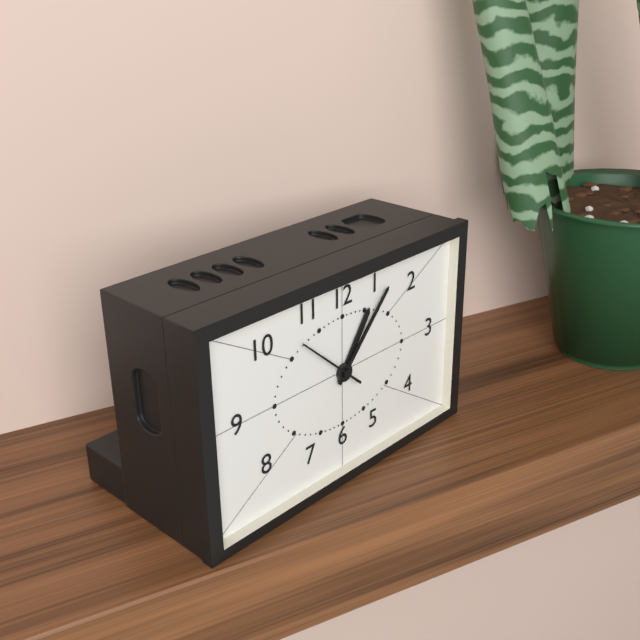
h=1 m=7 s=52
